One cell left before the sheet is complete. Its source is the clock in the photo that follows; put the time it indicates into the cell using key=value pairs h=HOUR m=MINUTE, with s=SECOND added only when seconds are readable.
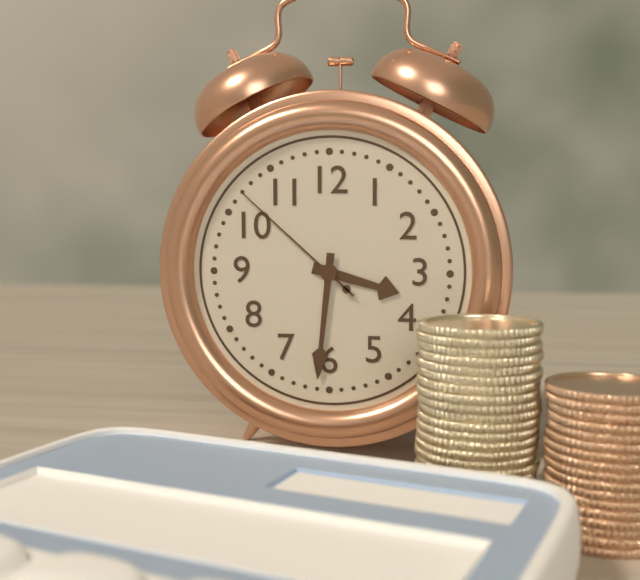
h=3 m=31 s=52
